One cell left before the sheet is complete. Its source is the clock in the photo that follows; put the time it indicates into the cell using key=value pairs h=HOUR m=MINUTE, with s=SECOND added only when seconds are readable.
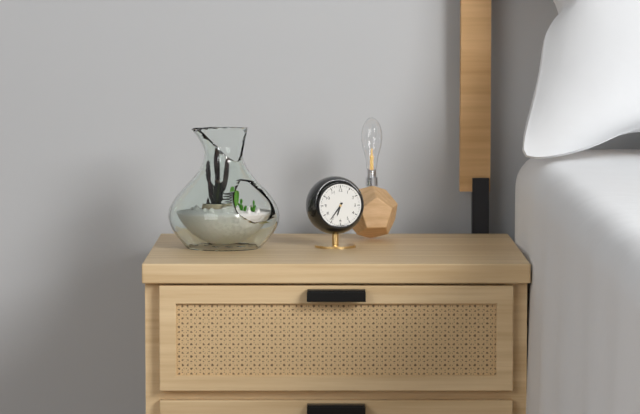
h=6 m=36
